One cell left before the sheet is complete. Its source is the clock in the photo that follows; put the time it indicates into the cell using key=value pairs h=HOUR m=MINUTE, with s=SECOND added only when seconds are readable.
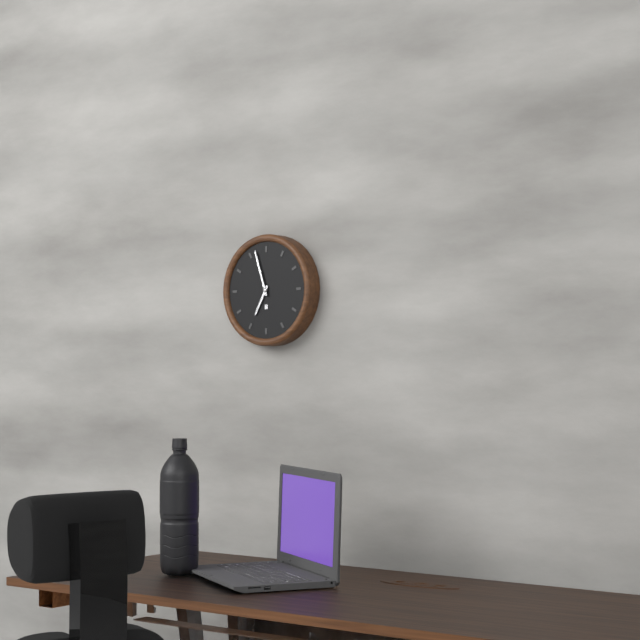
h=6 m=57
